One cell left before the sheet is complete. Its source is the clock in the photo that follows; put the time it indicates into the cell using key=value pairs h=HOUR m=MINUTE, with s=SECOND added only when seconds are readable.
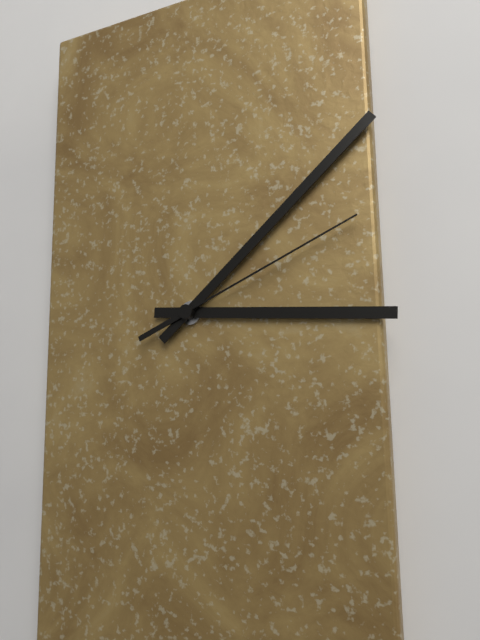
h=3 m=8 s=11
